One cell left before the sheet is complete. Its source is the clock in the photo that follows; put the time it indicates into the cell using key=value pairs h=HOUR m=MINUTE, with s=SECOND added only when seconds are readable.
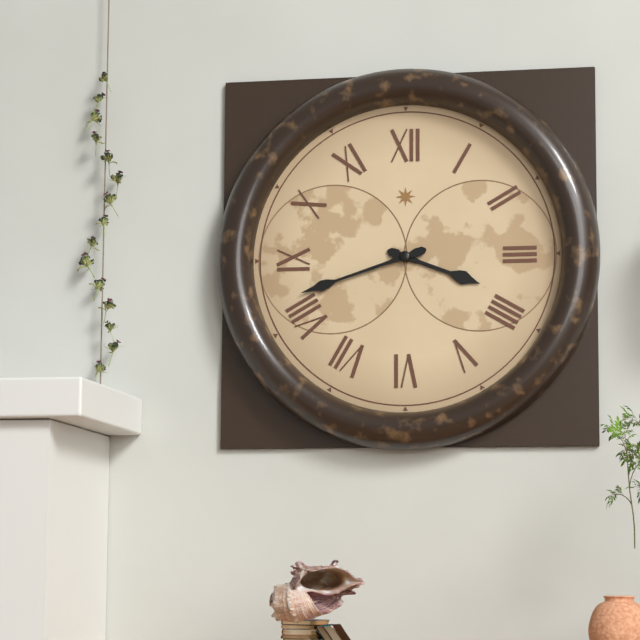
h=3 m=42
